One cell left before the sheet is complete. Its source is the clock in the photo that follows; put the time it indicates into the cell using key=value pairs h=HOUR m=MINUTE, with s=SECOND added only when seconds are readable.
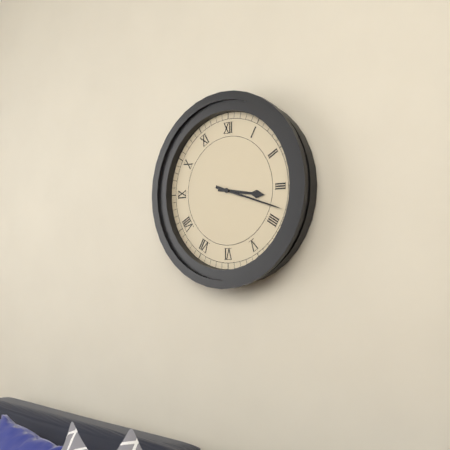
h=3 m=18
